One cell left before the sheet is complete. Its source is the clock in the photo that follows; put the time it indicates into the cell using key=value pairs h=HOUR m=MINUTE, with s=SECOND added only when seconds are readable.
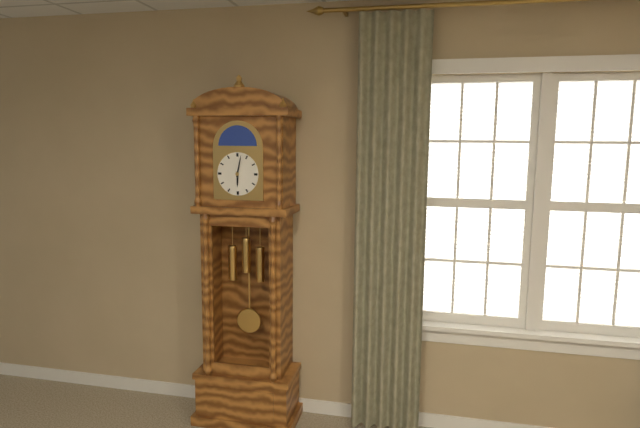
h=6 m=2
